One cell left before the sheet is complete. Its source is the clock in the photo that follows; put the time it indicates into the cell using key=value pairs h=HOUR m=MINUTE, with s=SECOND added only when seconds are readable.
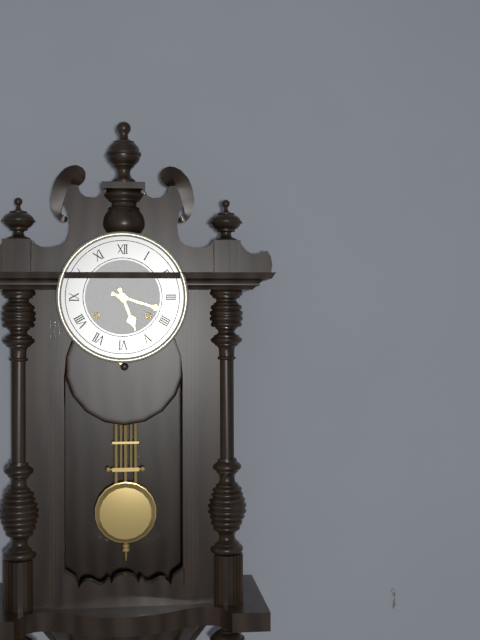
h=5 m=18
